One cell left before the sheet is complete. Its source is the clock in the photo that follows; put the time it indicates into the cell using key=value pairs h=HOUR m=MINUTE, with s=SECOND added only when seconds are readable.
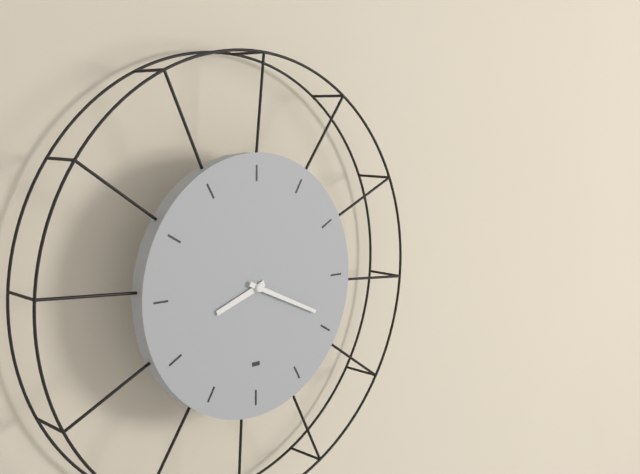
h=8 m=19
